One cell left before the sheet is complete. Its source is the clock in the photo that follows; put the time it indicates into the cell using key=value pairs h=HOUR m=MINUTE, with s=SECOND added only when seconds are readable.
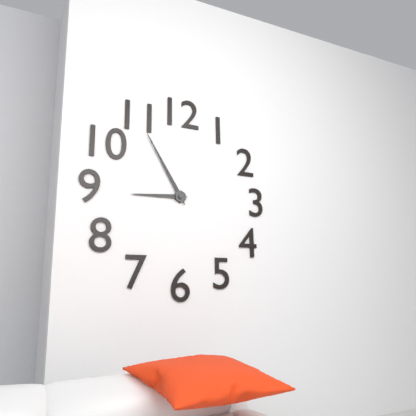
h=8 m=55
